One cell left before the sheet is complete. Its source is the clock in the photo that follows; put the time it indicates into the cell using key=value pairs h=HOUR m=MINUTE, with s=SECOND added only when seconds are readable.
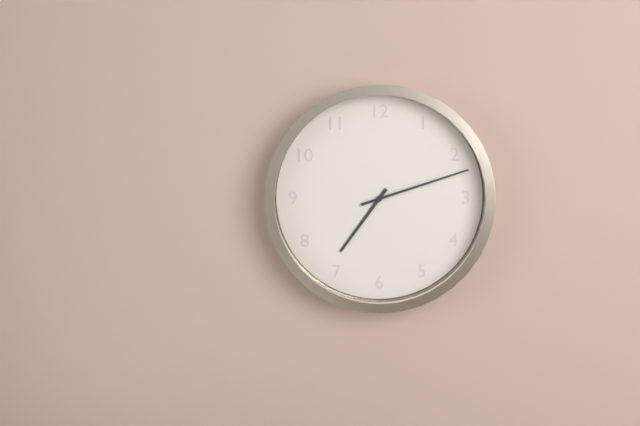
h=7 m=12
